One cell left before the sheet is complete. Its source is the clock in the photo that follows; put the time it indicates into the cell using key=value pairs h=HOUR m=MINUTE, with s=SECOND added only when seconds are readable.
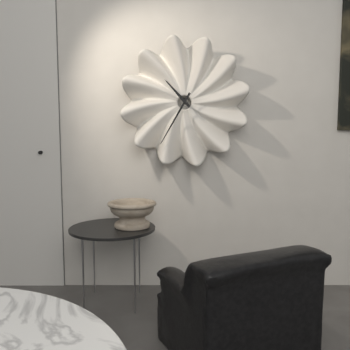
h=10 m=35
